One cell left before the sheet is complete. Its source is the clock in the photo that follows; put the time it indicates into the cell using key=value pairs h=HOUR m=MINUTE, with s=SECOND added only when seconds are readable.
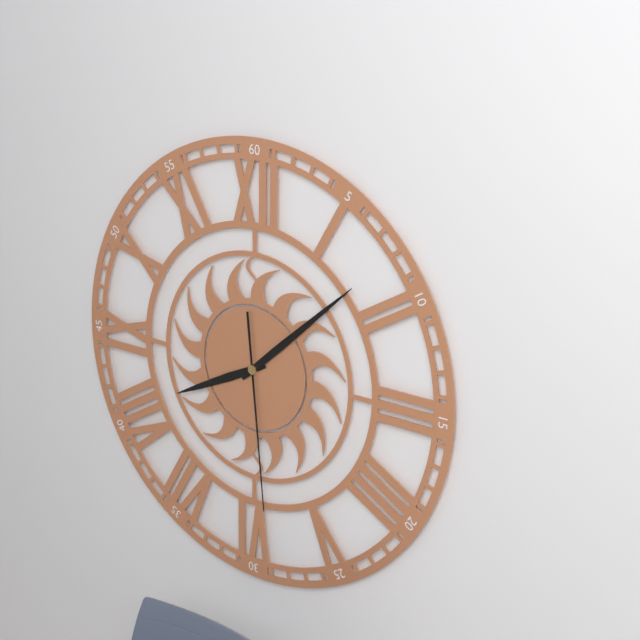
h=8 m=8 s=29
